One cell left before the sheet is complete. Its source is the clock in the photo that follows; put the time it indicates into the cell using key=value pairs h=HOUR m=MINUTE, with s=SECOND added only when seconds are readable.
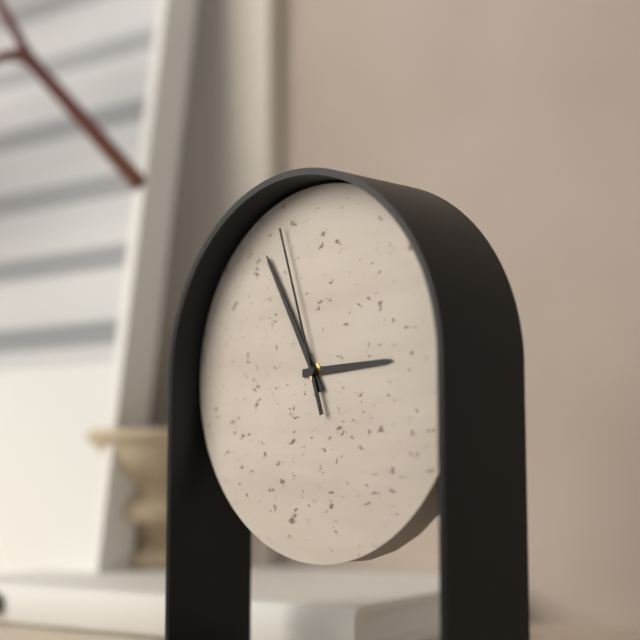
h=2 m=55 s=57
